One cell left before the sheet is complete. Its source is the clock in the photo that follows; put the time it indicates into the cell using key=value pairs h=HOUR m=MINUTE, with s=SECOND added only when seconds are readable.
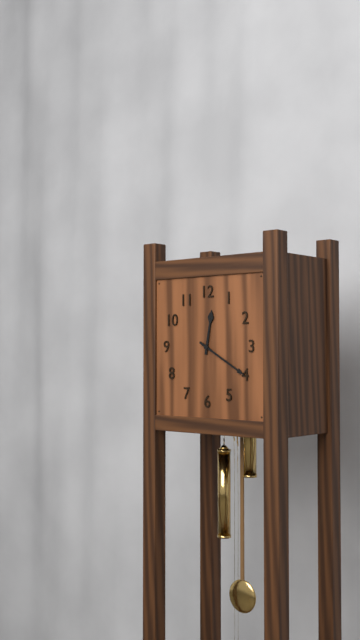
h=12 m=20
